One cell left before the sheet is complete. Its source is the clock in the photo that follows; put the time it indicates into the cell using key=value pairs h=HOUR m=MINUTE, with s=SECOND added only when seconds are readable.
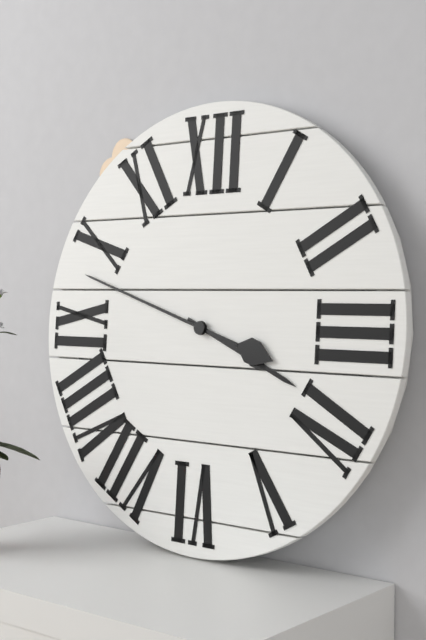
h=3 m=48
